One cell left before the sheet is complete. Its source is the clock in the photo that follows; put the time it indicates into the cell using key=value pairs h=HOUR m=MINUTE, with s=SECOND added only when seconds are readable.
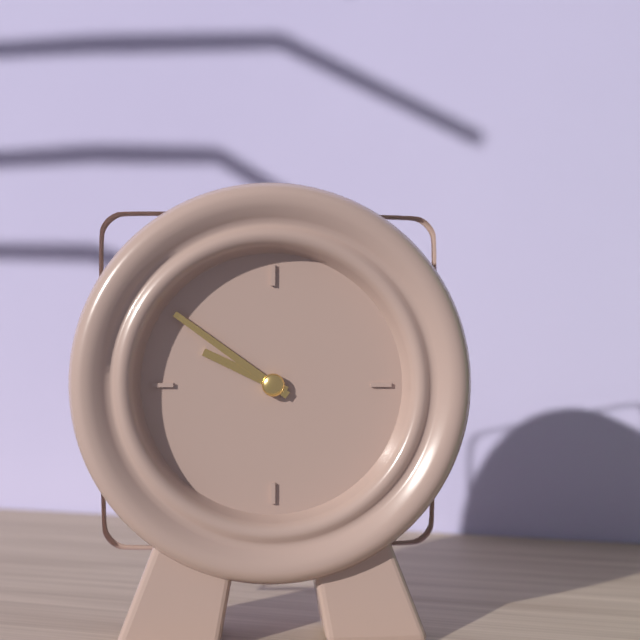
h=9 m=51
